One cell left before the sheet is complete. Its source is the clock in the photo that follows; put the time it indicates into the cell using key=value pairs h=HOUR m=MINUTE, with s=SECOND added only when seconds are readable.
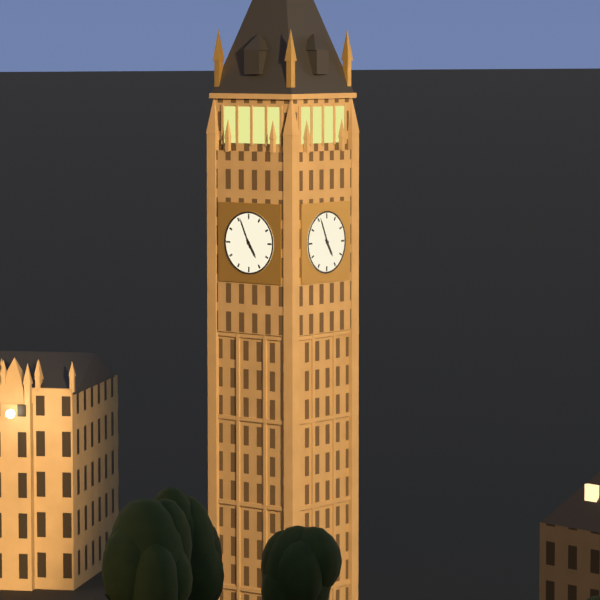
h=4 m=56
